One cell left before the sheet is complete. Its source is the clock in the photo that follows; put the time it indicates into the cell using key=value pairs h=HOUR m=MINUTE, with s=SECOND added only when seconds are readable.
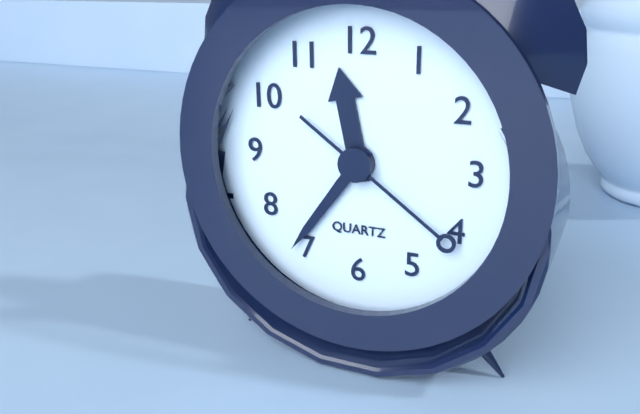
h=11 m=36 s=21
